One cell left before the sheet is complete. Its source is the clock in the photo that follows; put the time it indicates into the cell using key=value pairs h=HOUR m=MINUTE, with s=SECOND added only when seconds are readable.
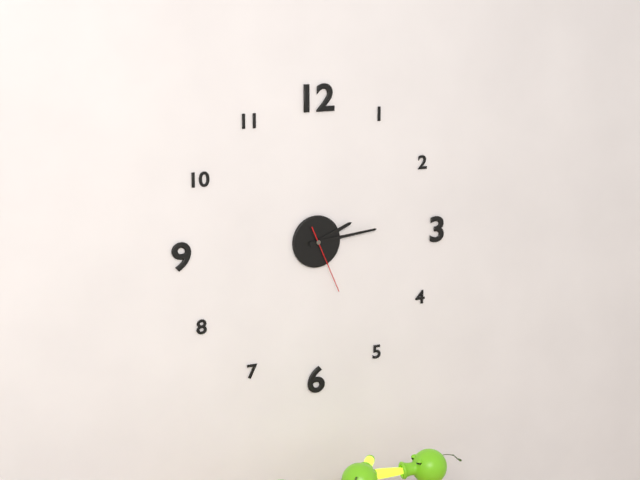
h=2 m=14 s=26
